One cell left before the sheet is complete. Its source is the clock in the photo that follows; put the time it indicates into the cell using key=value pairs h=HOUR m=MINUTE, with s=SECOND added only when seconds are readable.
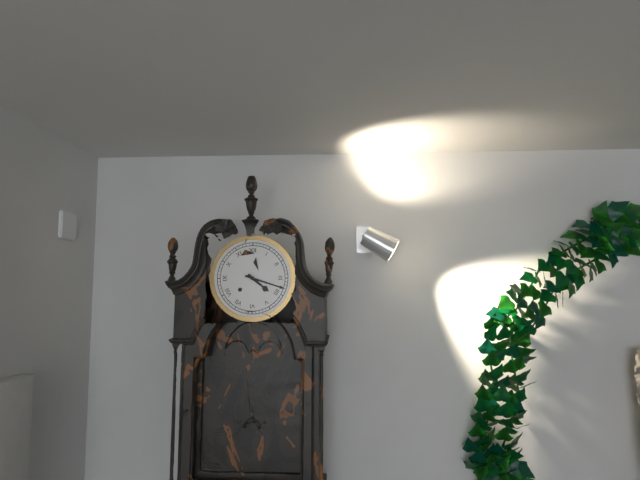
h=4 m=18
